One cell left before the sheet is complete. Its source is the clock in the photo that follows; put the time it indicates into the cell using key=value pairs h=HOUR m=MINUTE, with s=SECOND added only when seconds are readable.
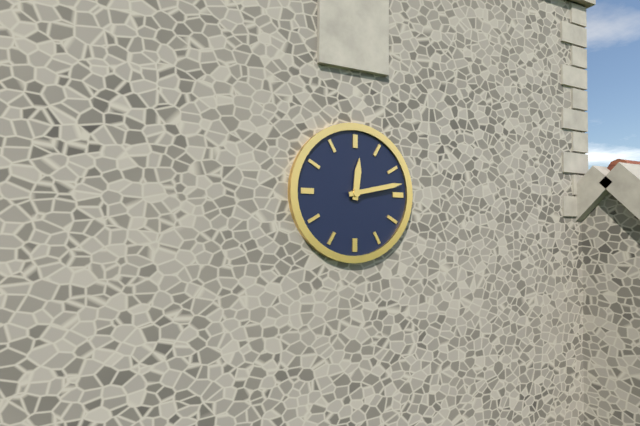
h=12 m=13
